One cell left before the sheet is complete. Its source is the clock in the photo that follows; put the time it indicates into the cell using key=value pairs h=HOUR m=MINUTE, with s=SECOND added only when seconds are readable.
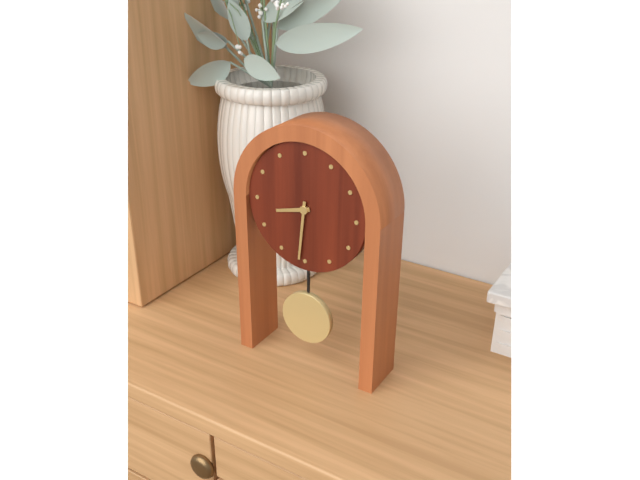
h=8 m=31
